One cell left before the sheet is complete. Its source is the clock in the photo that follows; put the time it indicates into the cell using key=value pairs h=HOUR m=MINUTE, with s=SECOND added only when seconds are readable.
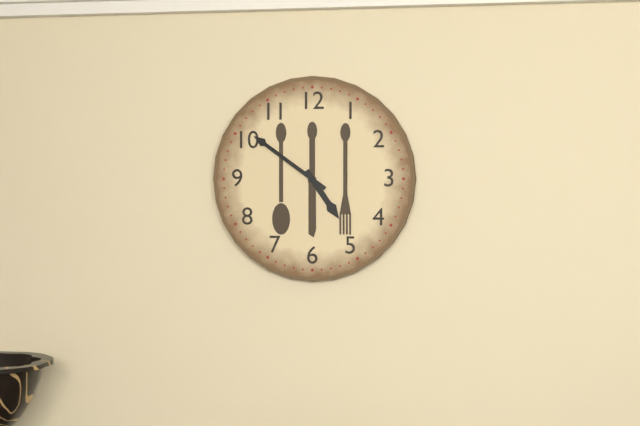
h=4 m=51
